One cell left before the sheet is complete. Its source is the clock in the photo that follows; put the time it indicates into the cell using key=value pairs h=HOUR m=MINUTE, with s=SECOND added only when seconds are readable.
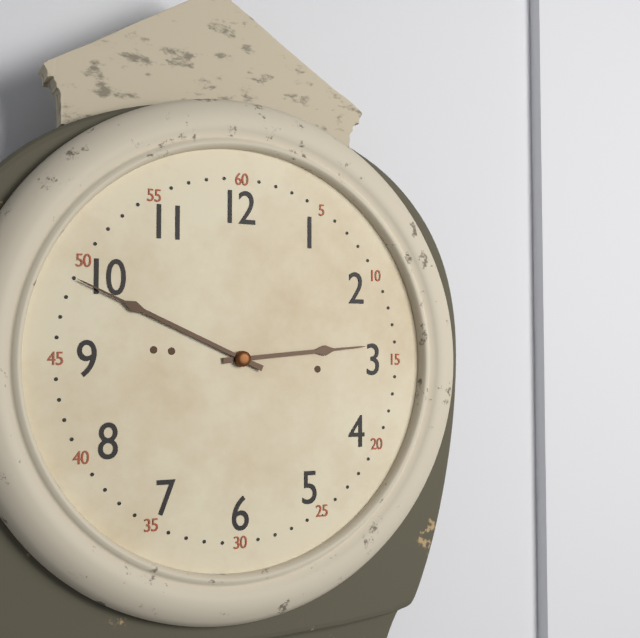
h=2 m=49
